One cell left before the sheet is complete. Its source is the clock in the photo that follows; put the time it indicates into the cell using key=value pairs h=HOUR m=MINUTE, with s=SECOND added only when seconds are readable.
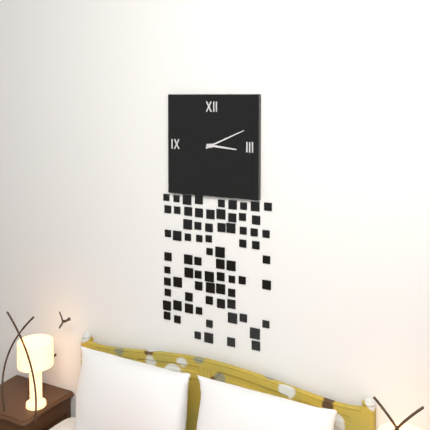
h=3 m=11
